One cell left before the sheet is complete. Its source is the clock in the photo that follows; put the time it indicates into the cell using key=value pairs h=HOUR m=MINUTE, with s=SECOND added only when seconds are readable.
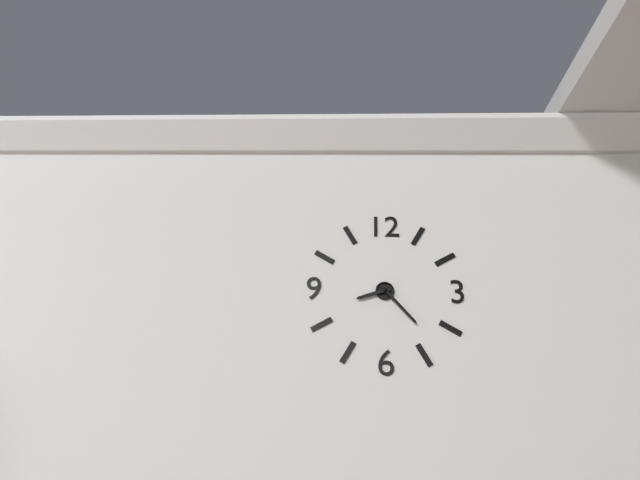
h=8 m=23
